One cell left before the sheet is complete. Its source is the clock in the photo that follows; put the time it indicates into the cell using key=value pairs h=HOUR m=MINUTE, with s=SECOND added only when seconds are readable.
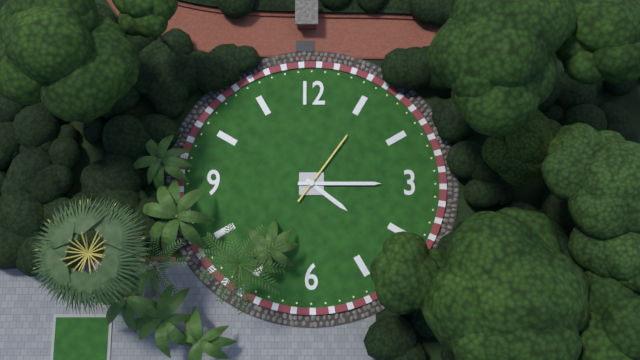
h=4 m=15 s=6
